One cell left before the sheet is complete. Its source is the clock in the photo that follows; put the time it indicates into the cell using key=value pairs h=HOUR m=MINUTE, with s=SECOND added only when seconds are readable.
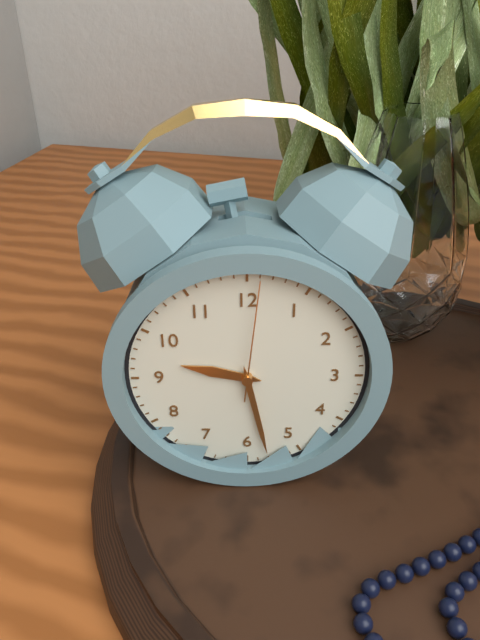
h=9 m=28 s=1
